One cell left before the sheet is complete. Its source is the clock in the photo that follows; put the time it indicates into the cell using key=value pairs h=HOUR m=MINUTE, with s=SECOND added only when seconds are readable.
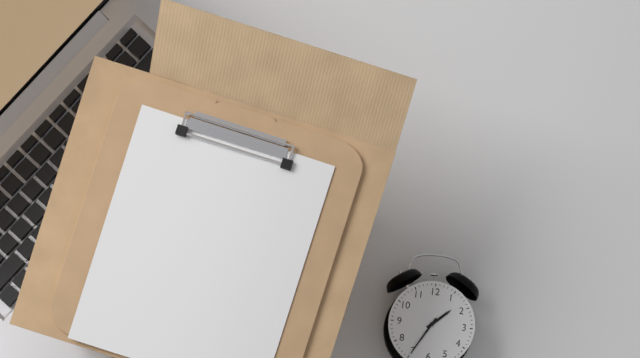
h=1 m=35
